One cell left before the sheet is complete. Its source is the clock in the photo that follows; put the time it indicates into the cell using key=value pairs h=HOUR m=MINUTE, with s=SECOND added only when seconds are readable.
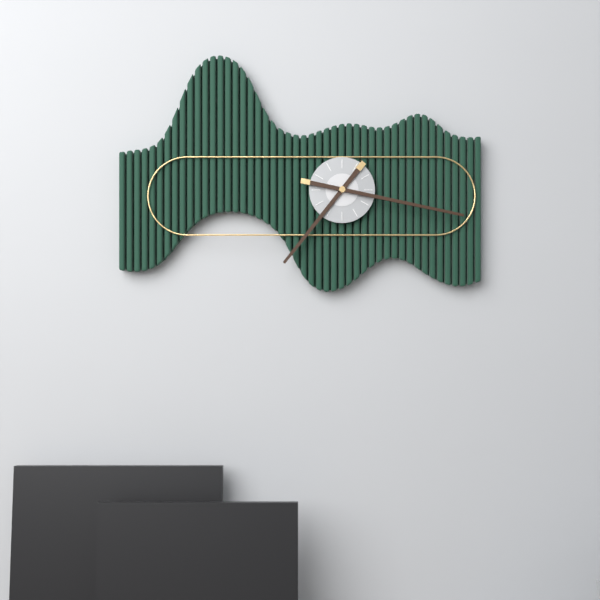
h=7 m=17
